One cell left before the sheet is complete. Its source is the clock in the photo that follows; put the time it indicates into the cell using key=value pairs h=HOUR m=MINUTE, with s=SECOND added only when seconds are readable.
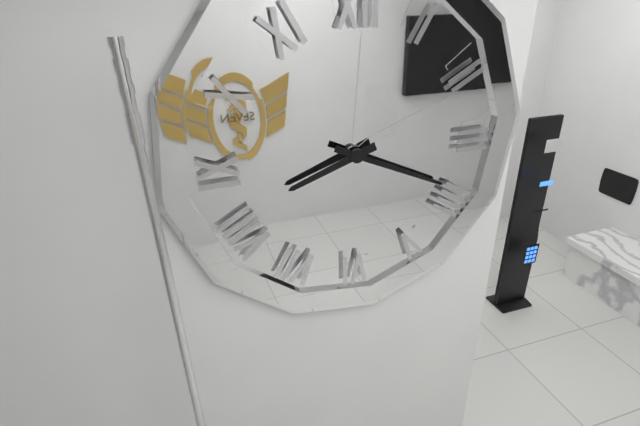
h=8 m=19
